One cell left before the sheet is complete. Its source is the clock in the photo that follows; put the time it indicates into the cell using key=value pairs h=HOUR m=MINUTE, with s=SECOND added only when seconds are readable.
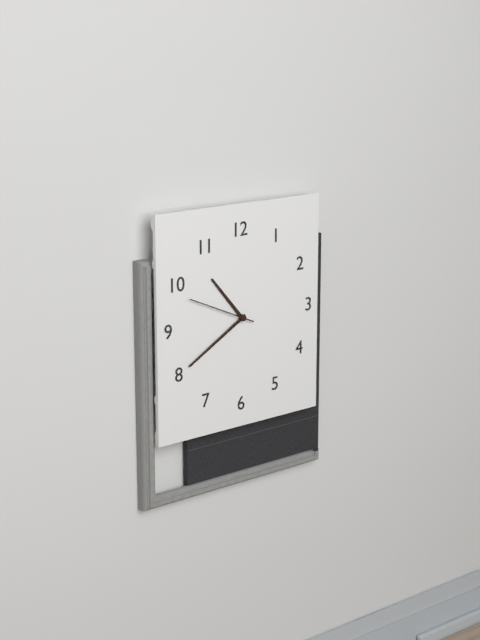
h=10 m=40 s=49
